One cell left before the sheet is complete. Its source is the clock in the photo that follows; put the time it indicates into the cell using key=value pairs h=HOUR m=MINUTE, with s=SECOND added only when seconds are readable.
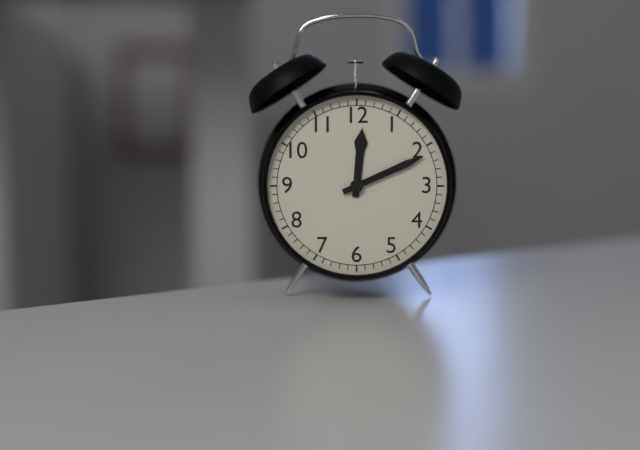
h=12 m=11
